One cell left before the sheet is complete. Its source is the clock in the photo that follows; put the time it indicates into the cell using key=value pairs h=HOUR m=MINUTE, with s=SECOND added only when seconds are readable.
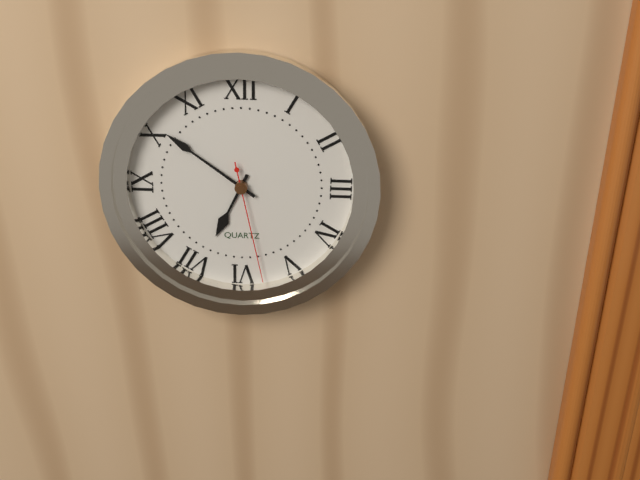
h=6 m=51 s=28
